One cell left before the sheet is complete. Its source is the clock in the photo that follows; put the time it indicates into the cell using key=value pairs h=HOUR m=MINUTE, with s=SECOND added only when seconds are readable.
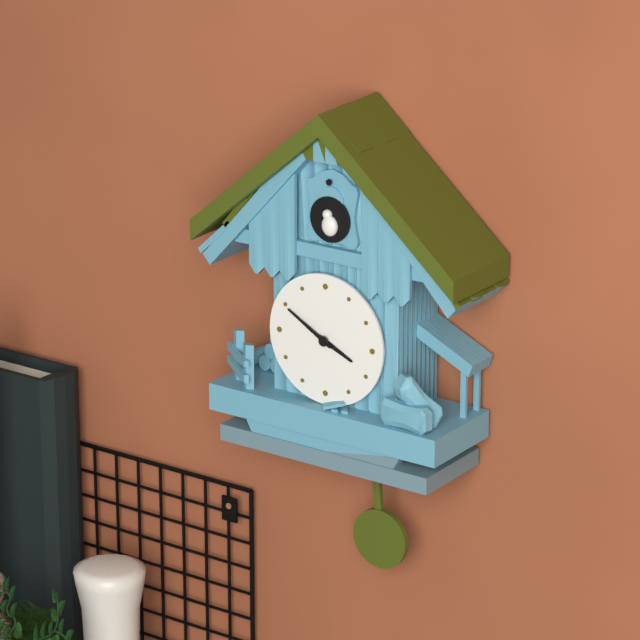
h=3 m=50
